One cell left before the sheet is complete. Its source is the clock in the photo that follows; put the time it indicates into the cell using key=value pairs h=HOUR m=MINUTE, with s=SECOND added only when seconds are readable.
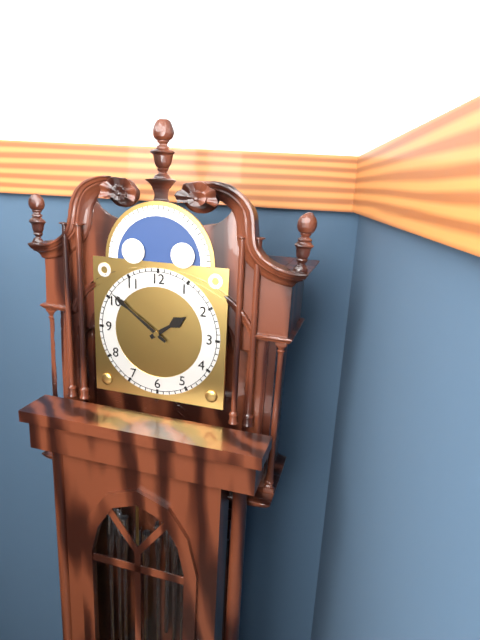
h=1 m=51
